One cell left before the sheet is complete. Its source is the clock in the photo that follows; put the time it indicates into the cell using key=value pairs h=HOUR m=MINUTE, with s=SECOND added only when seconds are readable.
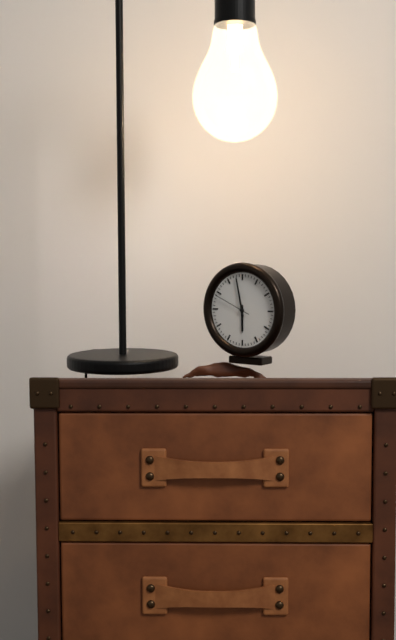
h=5 m=58
